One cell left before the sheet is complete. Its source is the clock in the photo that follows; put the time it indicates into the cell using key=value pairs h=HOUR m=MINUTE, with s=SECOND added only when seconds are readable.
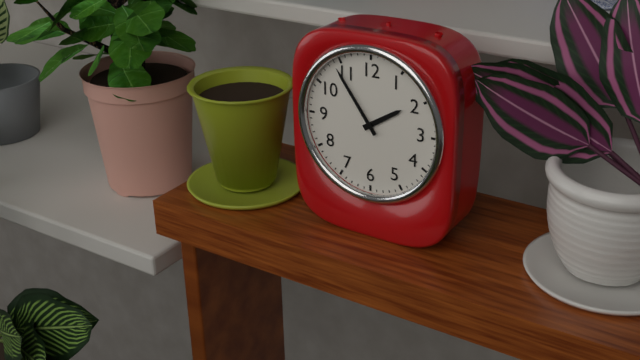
h=1 m=54
